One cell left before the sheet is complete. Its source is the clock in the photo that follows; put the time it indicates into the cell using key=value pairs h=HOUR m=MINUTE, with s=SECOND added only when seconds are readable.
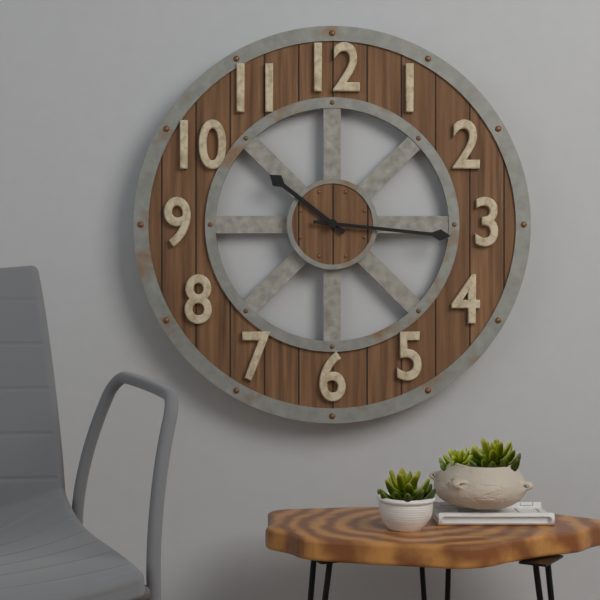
h=10 m=16
